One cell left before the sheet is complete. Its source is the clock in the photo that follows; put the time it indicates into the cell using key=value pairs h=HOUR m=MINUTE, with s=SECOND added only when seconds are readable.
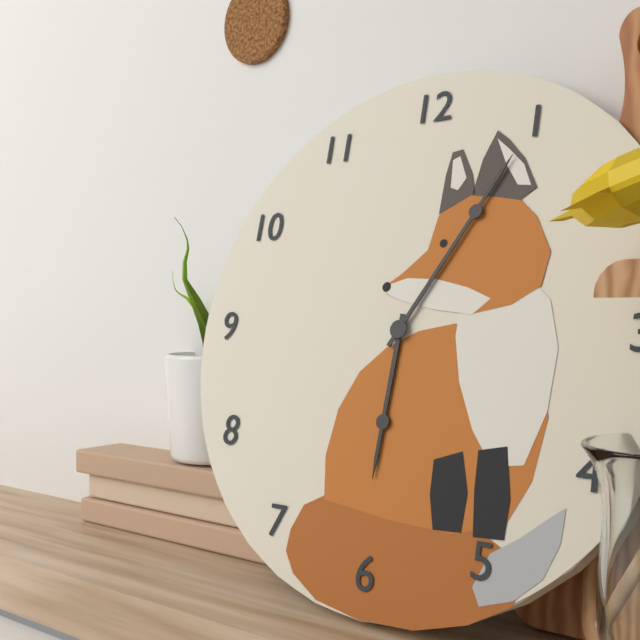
h=6 m=5
